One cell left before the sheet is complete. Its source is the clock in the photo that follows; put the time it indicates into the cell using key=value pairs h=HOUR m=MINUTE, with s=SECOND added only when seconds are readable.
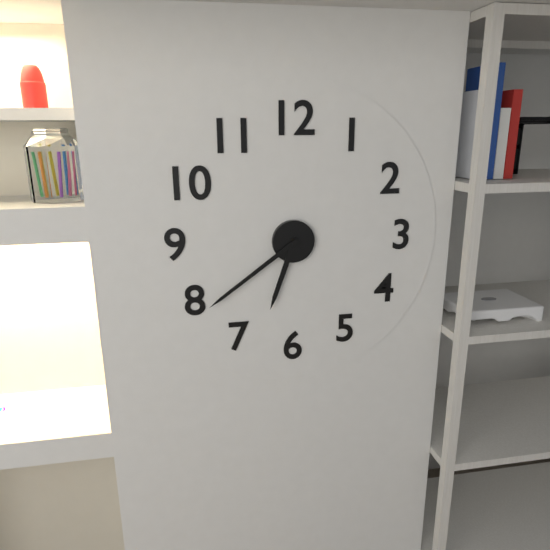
h=6 m=39
